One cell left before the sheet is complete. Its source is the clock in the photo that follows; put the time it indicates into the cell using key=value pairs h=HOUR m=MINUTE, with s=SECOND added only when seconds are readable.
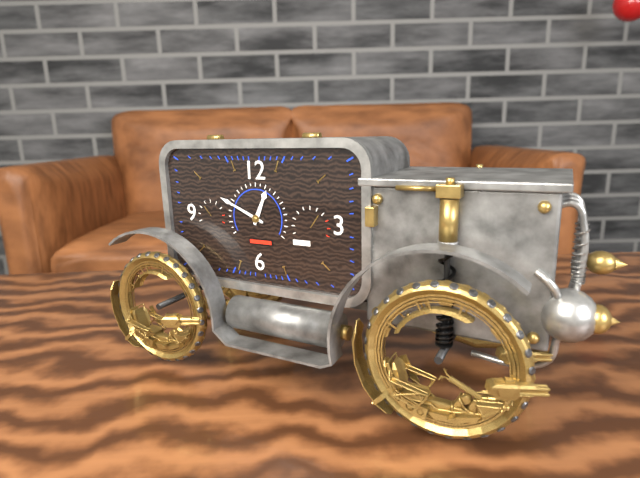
h=12 m=49
